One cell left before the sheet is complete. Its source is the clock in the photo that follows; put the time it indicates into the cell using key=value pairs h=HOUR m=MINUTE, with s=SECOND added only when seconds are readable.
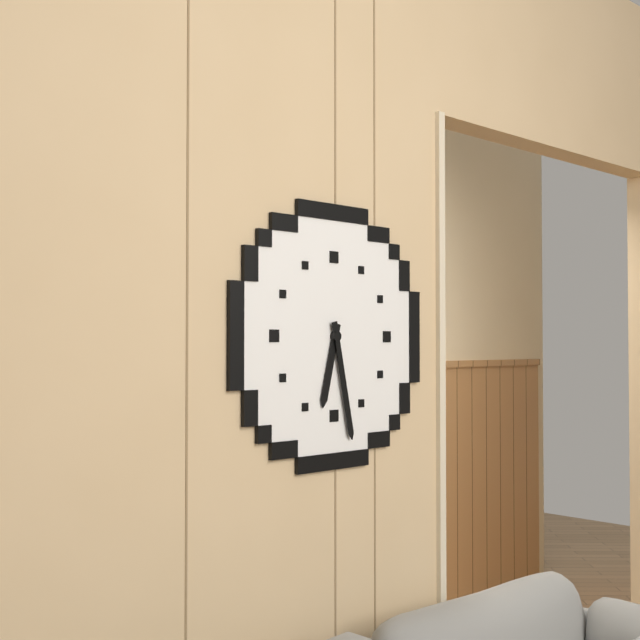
h=6 m=28
